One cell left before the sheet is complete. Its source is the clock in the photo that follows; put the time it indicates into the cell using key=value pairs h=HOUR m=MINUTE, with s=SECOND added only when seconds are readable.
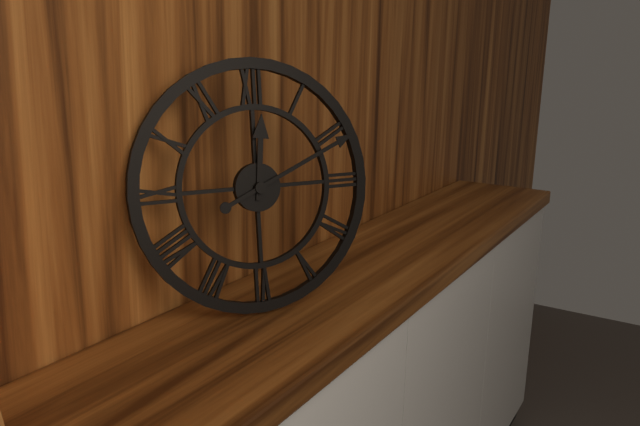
h=12 m=11
